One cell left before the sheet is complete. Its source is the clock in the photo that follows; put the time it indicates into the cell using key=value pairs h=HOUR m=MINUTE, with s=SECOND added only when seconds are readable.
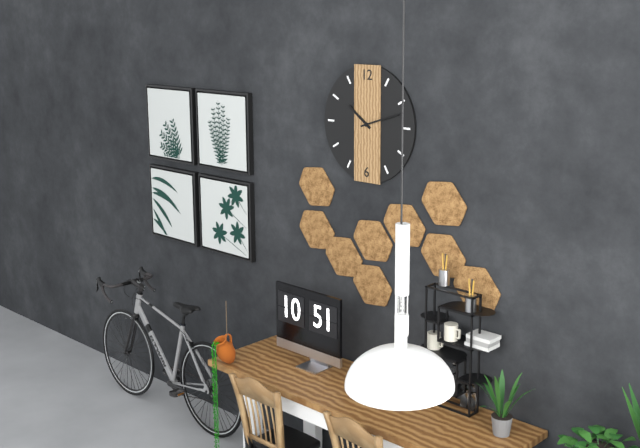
h=10 m=12
